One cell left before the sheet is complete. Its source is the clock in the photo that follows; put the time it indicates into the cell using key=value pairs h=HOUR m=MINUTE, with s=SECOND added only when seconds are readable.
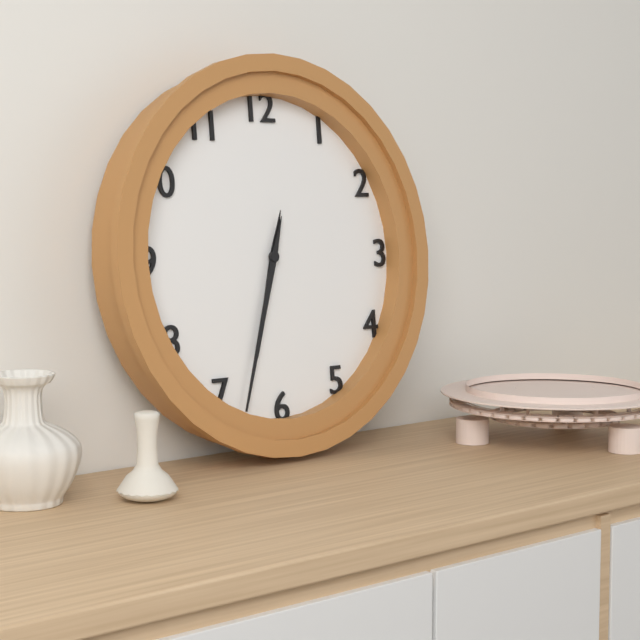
h=6 m=33
